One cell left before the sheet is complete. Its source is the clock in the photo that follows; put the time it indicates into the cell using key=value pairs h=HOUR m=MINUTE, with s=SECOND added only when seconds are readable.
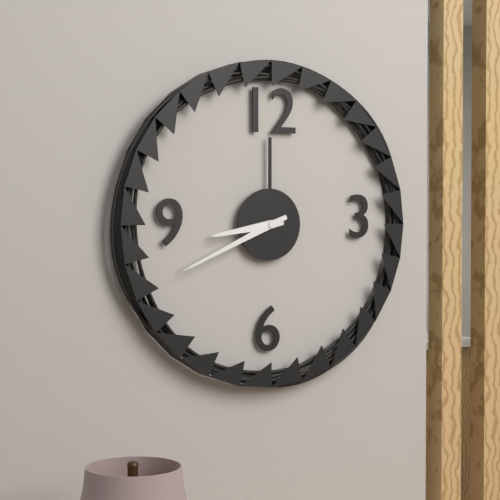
h=8 m=41
